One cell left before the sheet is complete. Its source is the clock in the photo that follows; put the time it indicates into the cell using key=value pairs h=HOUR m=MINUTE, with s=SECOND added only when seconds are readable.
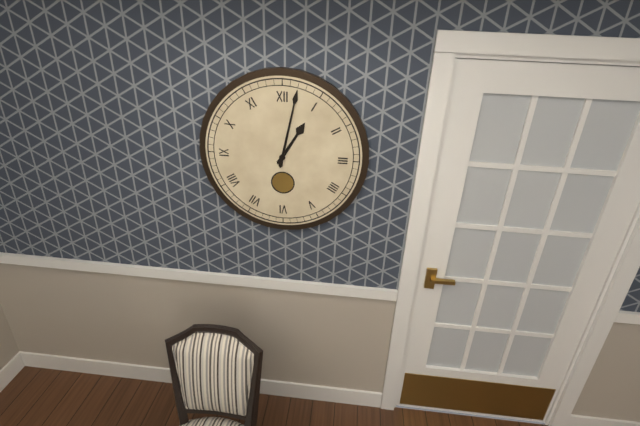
h=1 m=2
